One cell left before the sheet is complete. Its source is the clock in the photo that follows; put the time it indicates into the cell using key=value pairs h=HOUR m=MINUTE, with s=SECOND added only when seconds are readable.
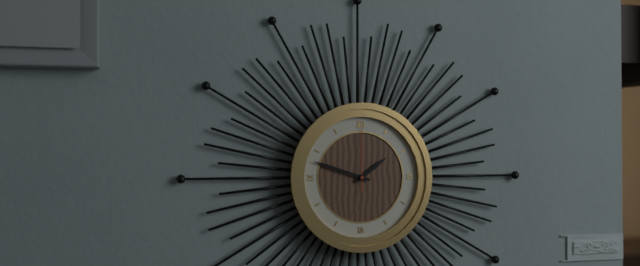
h=1 m=48 s=0
